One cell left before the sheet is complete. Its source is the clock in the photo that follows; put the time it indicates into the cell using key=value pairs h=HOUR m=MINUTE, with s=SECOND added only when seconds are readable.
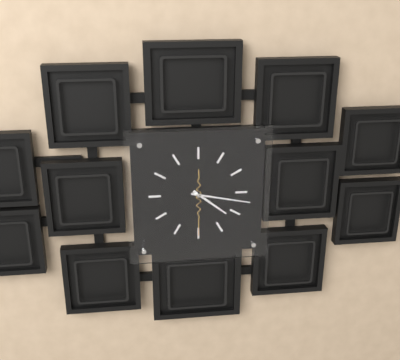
h=4 m=17 s=30
